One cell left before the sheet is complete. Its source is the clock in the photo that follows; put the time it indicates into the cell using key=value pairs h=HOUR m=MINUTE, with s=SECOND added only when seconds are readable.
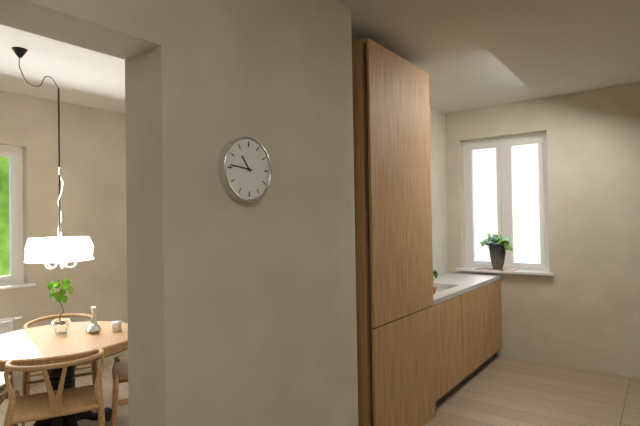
h=10 m=46
